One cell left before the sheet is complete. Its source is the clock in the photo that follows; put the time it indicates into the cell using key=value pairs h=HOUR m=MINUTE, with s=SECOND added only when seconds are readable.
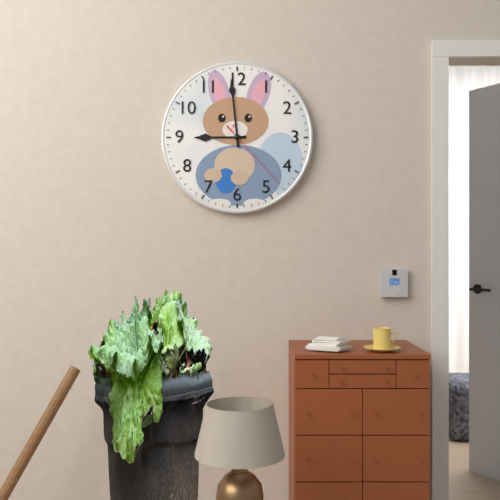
h=8 m=59 s=23
